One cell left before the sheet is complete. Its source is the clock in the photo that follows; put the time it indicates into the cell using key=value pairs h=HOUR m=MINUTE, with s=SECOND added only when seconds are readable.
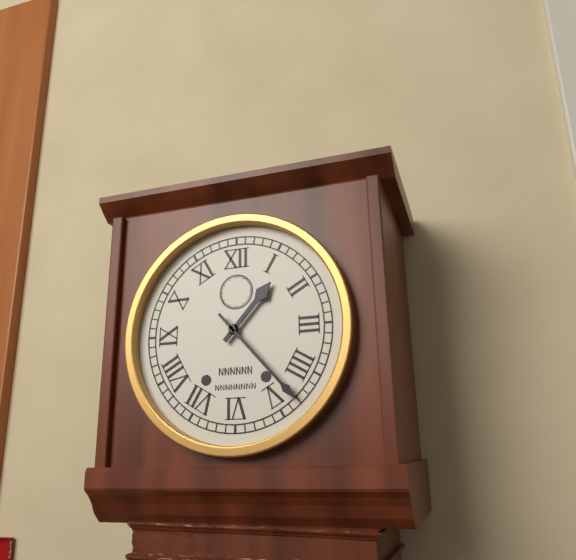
h=1 m=23
